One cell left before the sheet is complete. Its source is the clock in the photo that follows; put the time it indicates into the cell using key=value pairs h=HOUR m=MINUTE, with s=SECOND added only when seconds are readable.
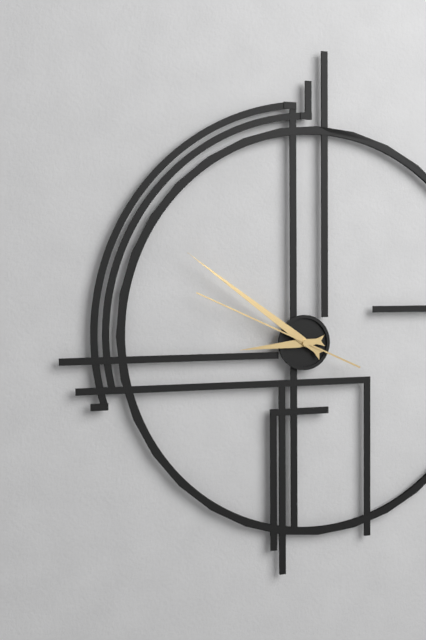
h=8 m=51 s=49
